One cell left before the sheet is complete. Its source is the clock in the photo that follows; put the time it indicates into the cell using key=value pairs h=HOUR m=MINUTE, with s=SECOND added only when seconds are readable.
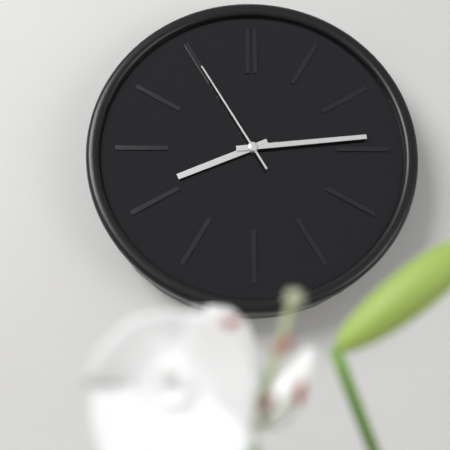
h=8 m=14 s=55
